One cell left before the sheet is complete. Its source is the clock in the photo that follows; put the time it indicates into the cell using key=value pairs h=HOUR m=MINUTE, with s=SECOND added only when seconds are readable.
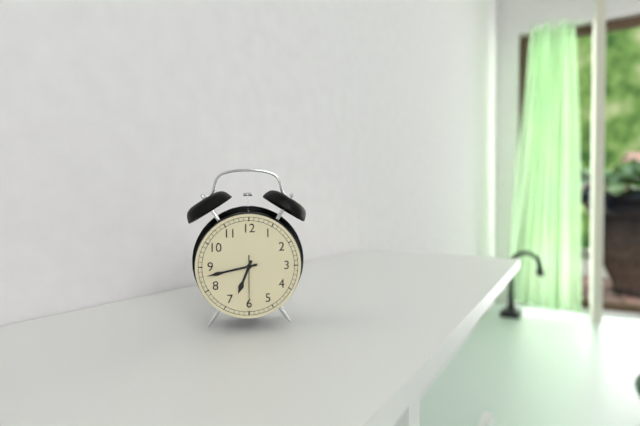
h=6 m=43 s=30
